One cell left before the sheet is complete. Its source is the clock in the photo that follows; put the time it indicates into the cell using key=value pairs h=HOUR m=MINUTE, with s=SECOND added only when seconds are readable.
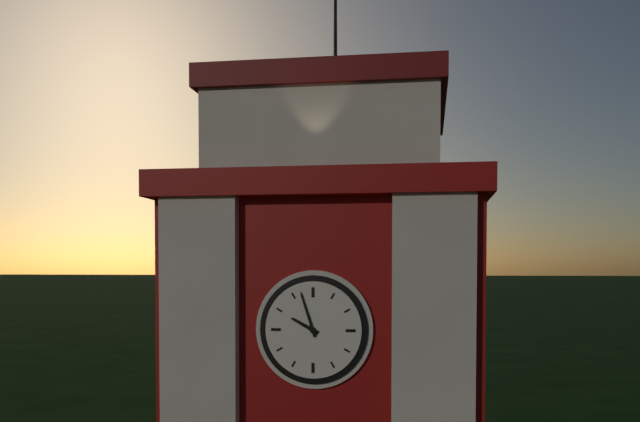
h=9 m=57
